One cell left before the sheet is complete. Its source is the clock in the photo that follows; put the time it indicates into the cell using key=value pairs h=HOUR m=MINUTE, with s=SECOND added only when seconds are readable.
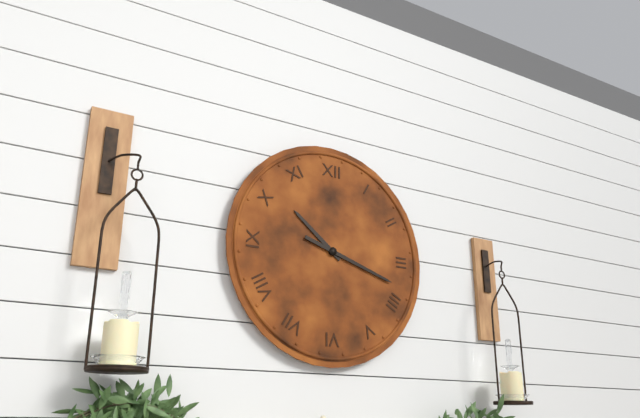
h=10 m=18
